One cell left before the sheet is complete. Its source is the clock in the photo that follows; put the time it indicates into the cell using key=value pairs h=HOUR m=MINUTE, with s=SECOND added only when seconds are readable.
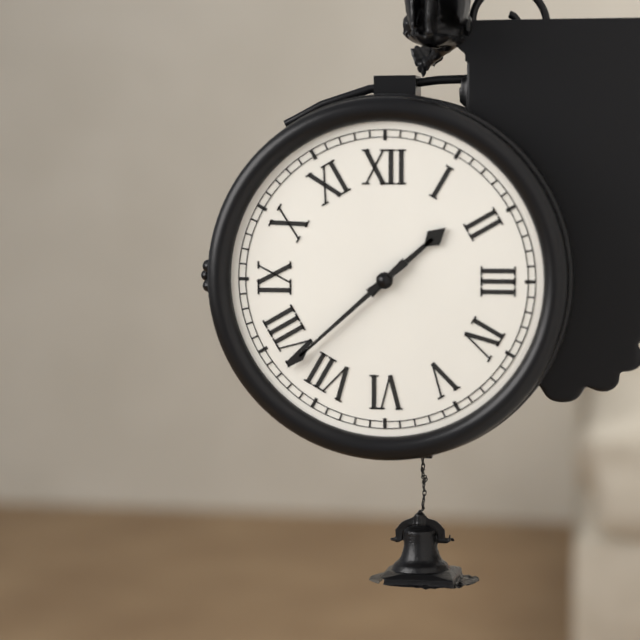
h=1 m=38
